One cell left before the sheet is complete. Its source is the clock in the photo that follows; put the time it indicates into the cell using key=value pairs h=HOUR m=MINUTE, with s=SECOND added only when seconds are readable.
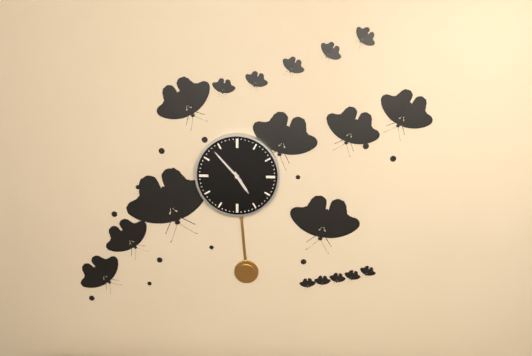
h=4 m=53
